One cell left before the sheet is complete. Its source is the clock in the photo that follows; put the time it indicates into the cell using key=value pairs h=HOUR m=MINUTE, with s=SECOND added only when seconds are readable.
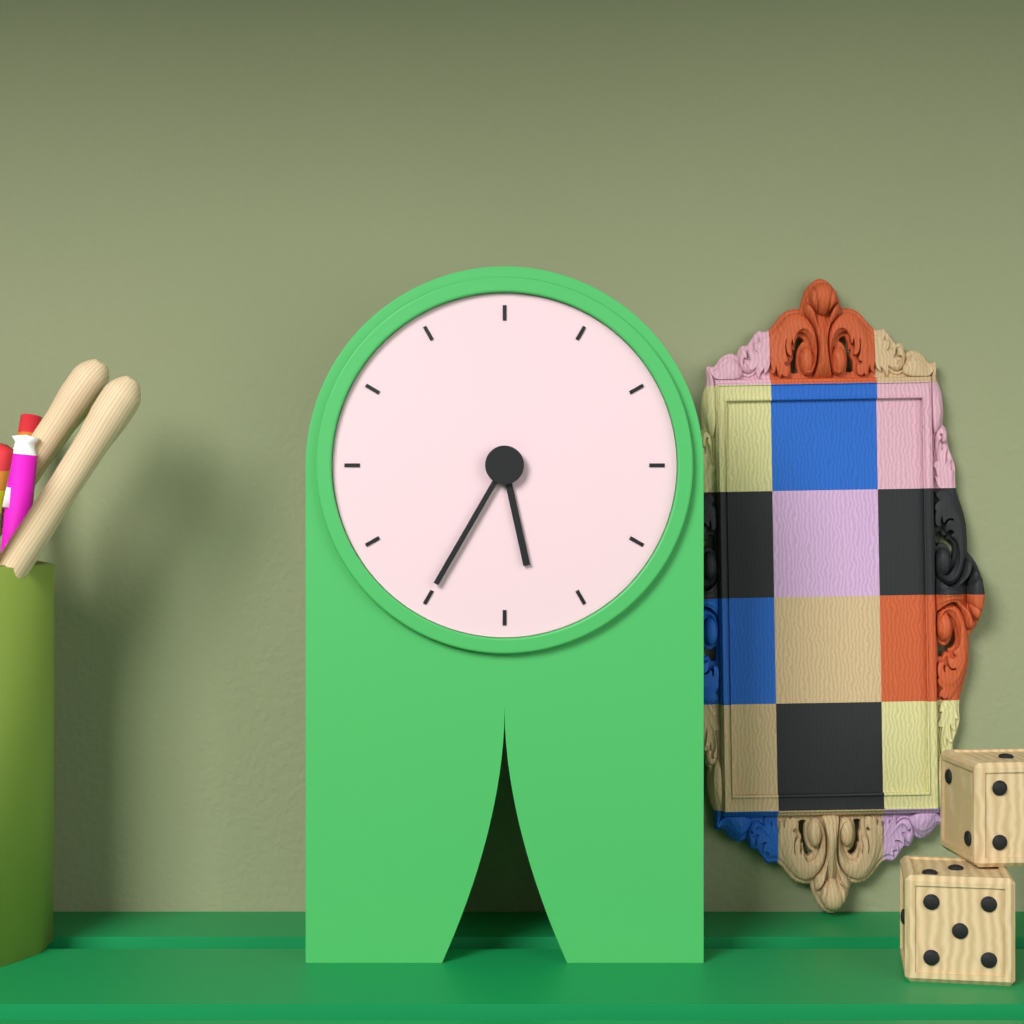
h=5 m=35
